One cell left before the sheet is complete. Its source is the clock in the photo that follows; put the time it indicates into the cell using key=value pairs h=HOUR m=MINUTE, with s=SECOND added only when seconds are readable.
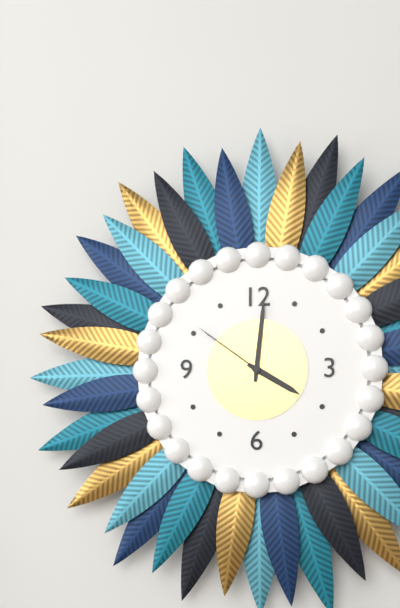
h=4 m=1 s=51
